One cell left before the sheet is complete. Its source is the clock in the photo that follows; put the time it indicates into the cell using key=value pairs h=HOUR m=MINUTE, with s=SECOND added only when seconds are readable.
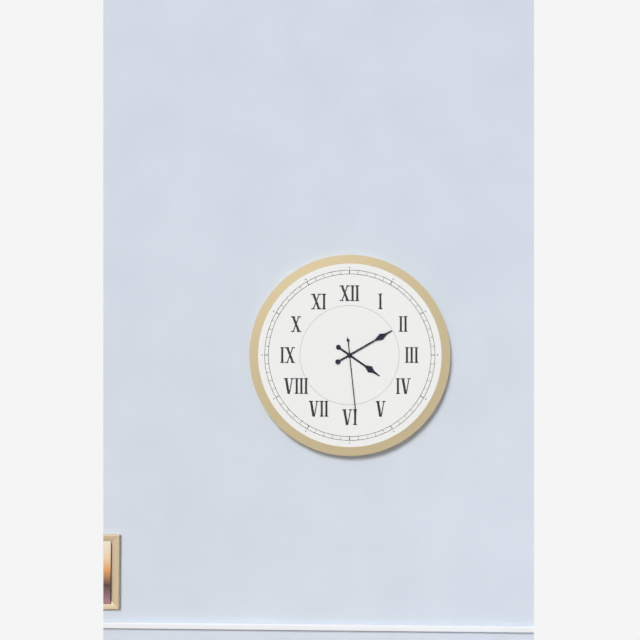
h=4 m=10 s=29
